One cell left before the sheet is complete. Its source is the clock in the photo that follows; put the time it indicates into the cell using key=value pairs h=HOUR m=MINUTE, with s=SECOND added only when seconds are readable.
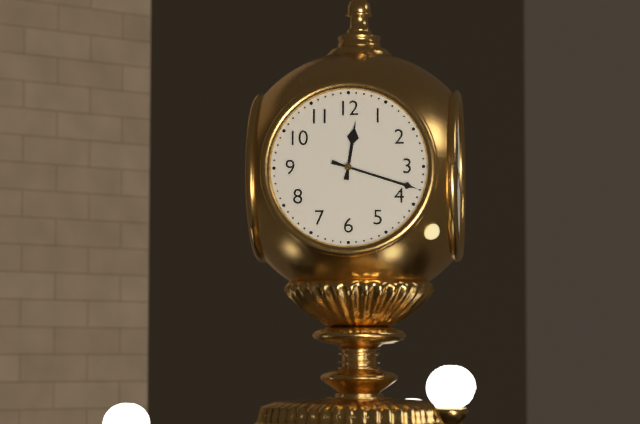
h=12 m=18
